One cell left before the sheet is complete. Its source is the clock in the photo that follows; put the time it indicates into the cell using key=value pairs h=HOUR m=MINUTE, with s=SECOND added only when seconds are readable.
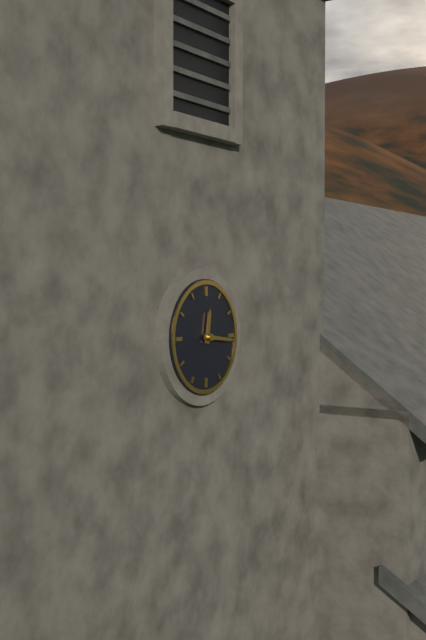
h=12 m=16
